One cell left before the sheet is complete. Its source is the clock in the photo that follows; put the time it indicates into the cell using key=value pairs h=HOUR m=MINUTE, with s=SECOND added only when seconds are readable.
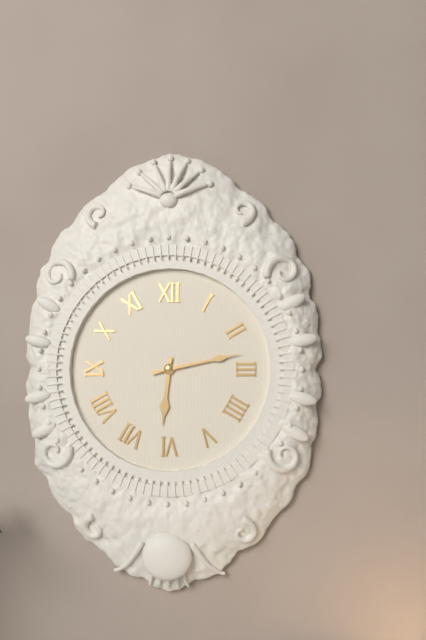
h=6 m=13
